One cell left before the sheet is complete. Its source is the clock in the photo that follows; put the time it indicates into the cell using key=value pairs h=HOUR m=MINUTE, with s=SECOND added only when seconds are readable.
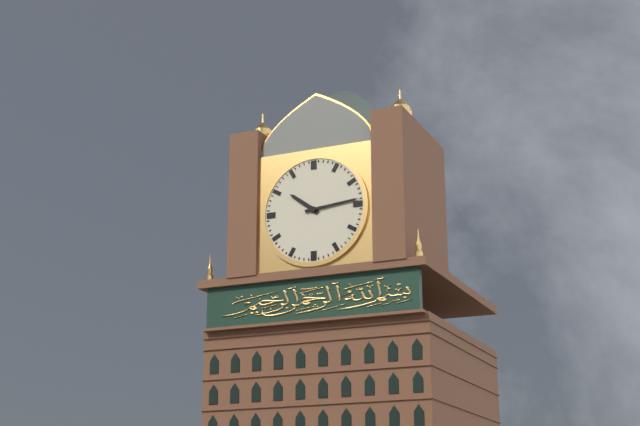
h=10 m=14
